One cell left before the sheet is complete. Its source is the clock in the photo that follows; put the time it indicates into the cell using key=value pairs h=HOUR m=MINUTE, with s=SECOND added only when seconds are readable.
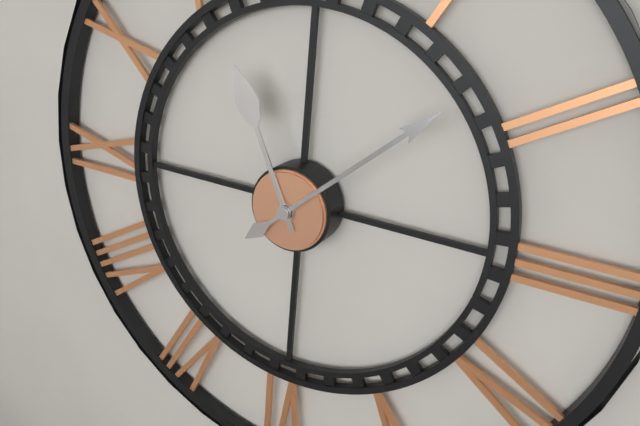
h=11 m=8
